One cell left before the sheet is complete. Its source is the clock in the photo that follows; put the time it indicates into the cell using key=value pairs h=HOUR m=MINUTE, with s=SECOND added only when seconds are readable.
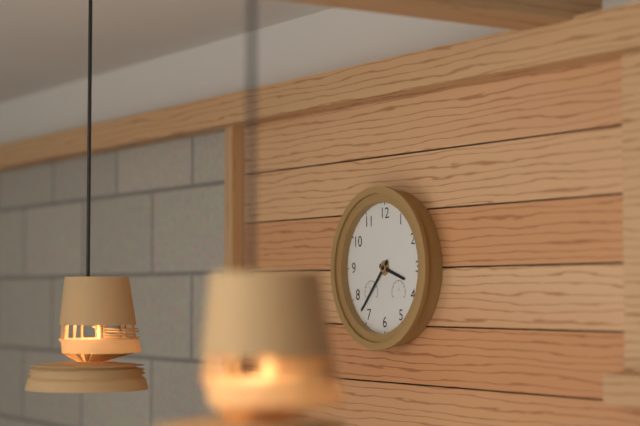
h=3 m=37
